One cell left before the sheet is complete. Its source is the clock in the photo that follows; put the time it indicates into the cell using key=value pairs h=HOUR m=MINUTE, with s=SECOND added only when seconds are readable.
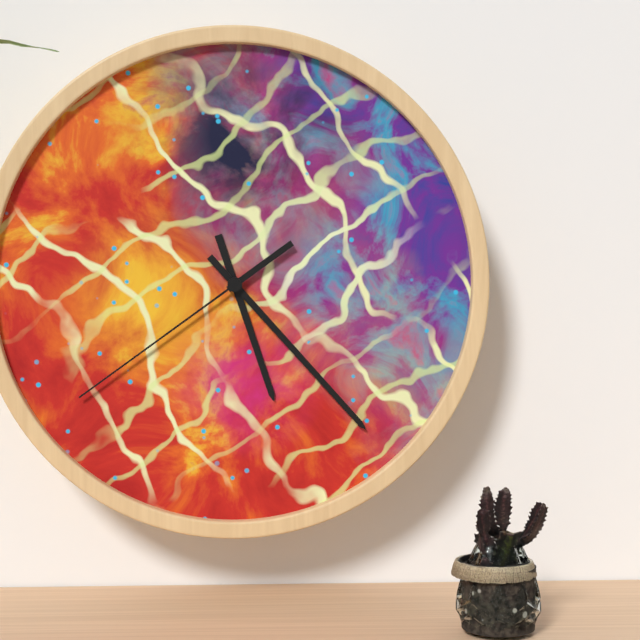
h=5 m=23 s=39
